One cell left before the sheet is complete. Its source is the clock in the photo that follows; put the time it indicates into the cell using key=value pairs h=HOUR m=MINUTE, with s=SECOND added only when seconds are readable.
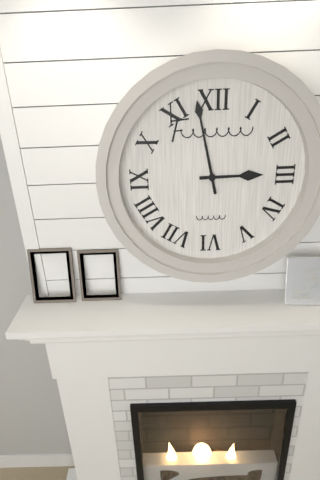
h=2 m=58
